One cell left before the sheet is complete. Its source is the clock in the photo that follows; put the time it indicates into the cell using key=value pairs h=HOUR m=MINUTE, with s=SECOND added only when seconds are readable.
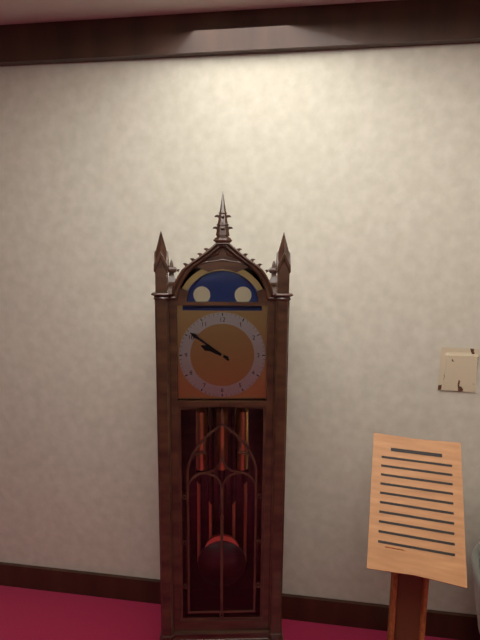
h=9 m=51
